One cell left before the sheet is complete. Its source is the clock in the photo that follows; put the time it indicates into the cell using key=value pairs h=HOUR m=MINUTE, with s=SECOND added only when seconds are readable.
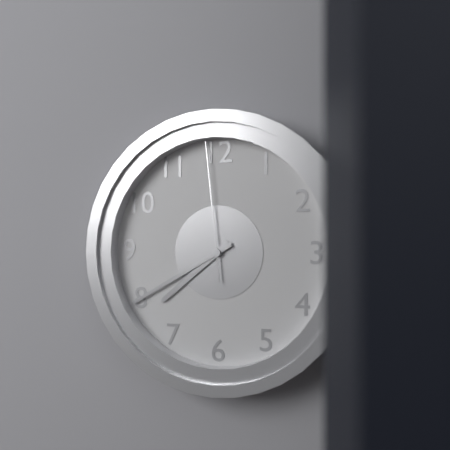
h=7 m=40 s=59
